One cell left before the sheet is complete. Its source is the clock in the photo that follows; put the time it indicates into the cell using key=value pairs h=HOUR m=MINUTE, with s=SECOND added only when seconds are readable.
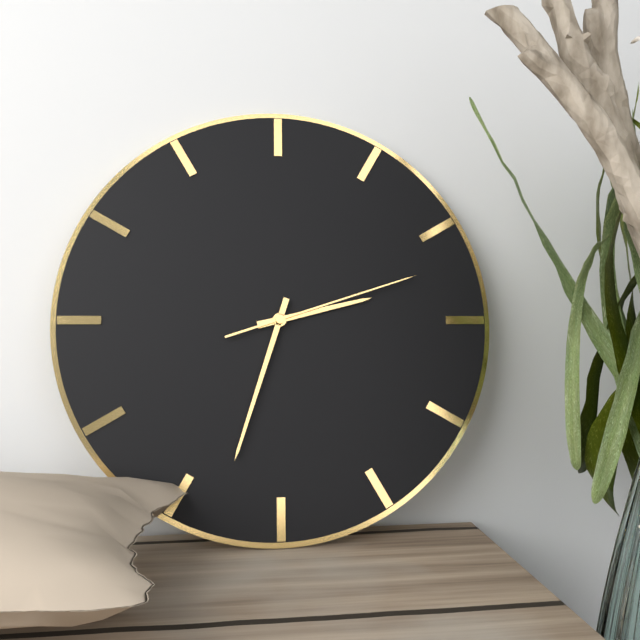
h=2 m=33 s=12
